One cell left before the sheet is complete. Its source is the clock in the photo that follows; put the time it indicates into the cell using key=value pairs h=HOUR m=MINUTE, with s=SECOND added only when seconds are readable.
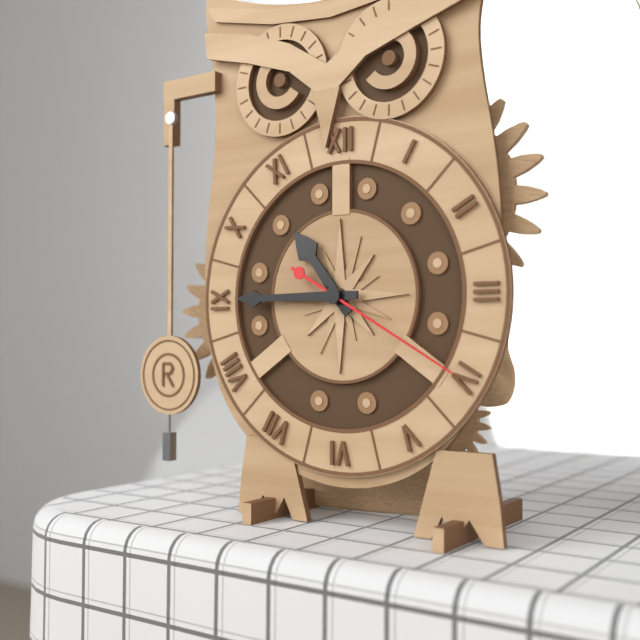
h=10 m=45 s=20
